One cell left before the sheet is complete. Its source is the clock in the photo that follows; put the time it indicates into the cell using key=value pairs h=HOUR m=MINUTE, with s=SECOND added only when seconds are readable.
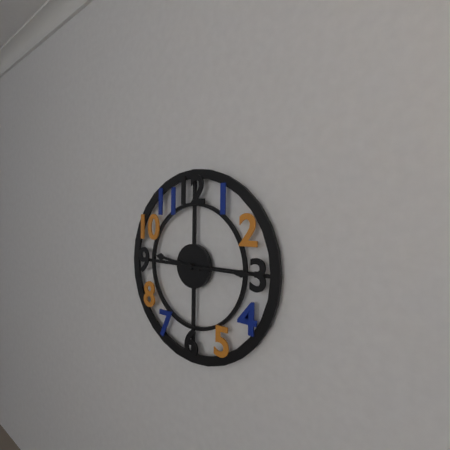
h=9 m=15
